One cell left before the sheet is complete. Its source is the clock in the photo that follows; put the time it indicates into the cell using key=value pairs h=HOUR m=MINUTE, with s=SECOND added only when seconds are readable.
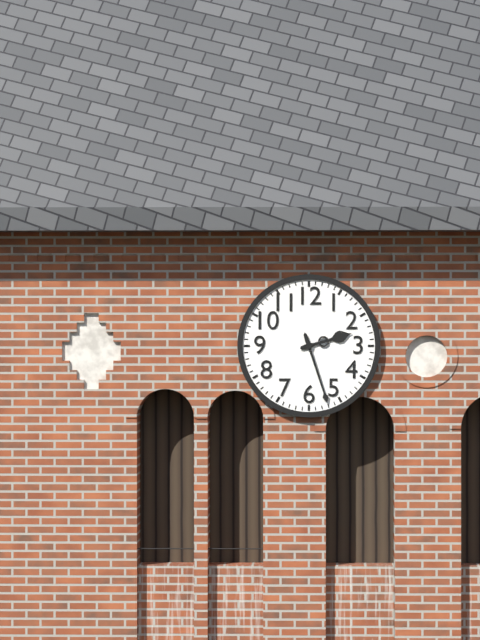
h=2 m=27
